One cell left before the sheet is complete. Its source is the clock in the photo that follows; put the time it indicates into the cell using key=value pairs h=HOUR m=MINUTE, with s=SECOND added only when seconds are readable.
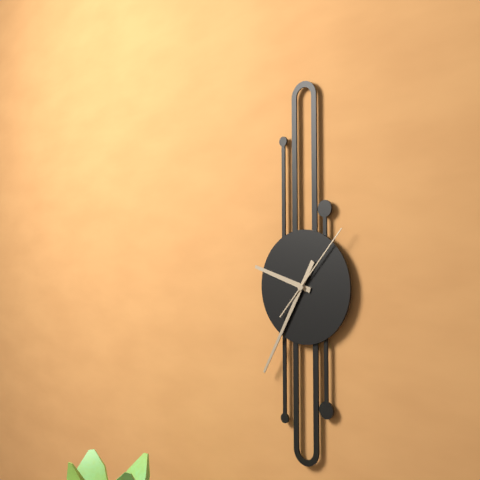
h=9 m=35 s=7
